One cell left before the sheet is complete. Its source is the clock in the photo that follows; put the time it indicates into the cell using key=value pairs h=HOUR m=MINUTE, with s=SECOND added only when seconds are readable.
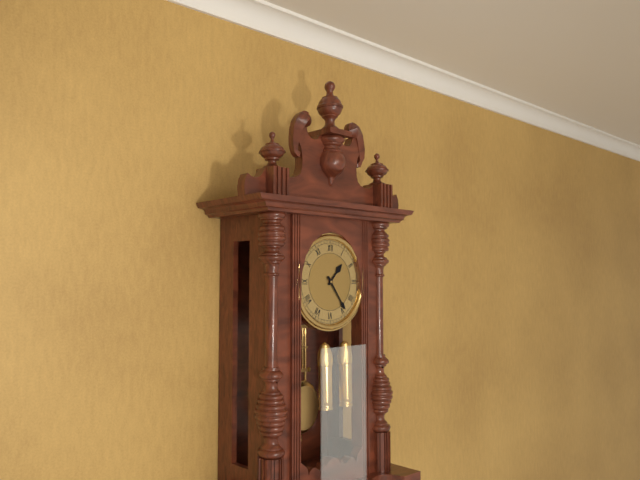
h=1 m=24
